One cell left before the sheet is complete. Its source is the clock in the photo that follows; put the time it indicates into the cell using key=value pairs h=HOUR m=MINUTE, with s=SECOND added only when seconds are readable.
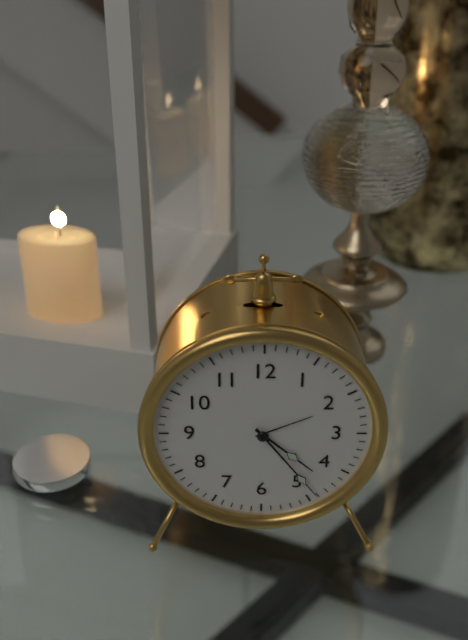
h=4 m=24
